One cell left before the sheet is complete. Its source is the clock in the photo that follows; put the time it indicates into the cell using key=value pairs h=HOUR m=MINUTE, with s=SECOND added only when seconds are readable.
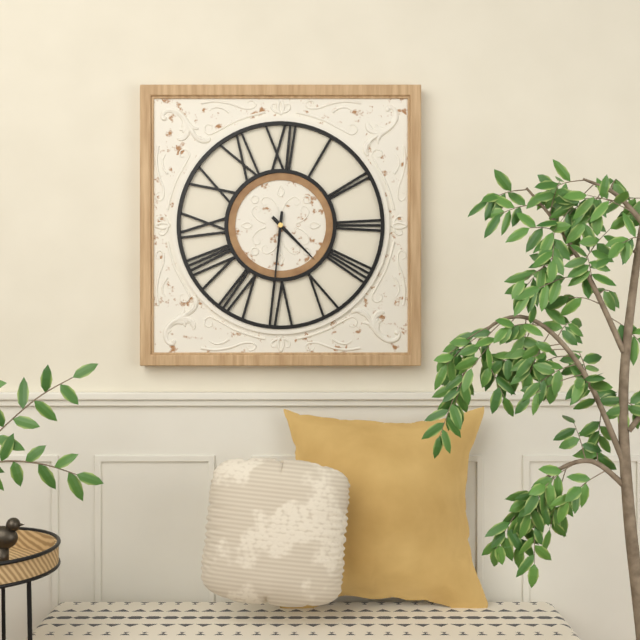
h=4 m=31
